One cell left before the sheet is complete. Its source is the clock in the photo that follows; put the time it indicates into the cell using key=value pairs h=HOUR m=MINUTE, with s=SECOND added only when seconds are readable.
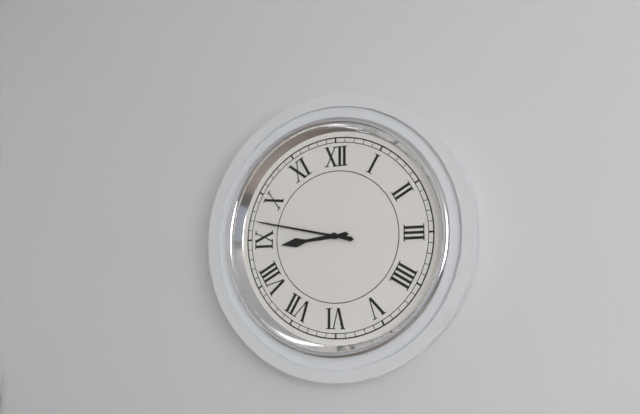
h=8 m=47
